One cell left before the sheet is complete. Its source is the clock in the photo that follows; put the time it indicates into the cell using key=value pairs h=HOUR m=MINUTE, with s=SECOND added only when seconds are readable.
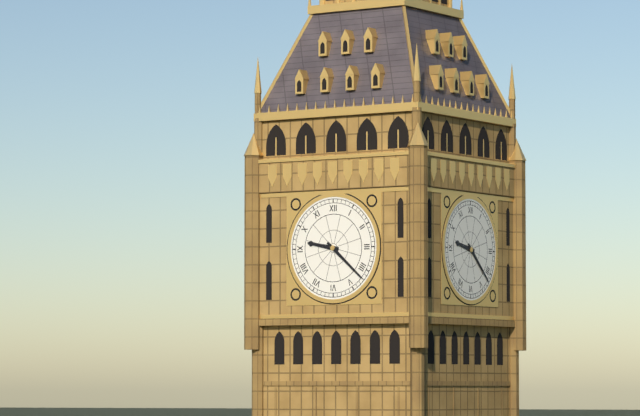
h=9 m=22
